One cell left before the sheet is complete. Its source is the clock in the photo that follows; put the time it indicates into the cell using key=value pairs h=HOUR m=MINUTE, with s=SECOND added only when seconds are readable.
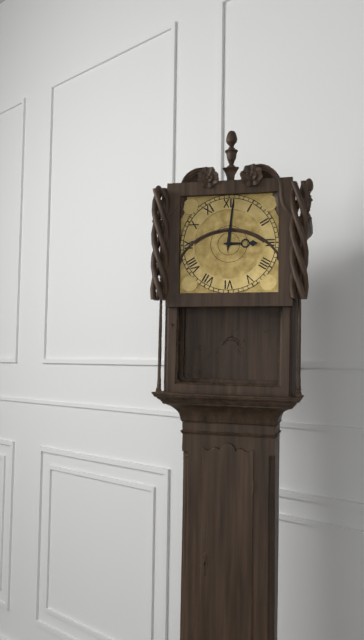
h=3 m=1
